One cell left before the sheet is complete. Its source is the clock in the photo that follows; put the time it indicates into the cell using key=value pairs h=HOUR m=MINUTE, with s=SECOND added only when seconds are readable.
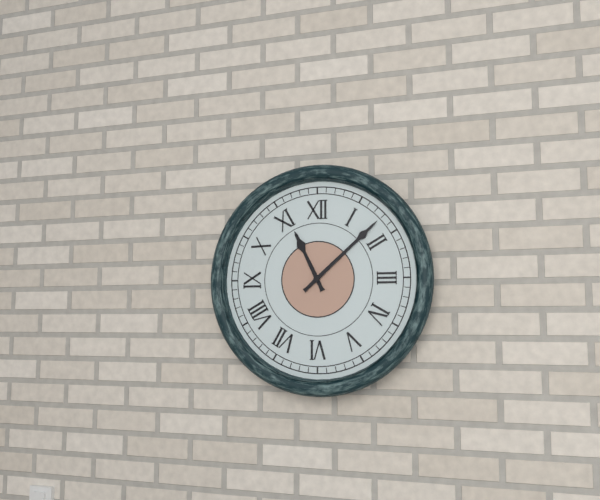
h=11 m=8
